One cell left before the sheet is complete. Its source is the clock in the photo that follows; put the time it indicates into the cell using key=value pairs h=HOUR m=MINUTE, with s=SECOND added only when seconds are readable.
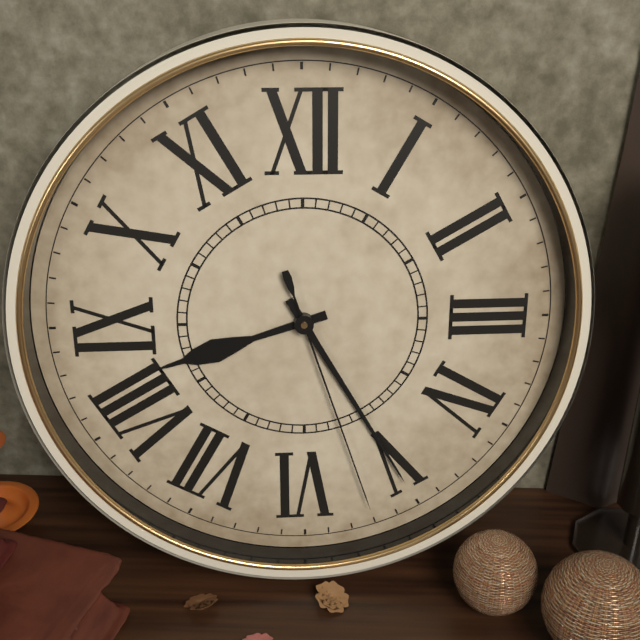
h=8 m=25 s=27
